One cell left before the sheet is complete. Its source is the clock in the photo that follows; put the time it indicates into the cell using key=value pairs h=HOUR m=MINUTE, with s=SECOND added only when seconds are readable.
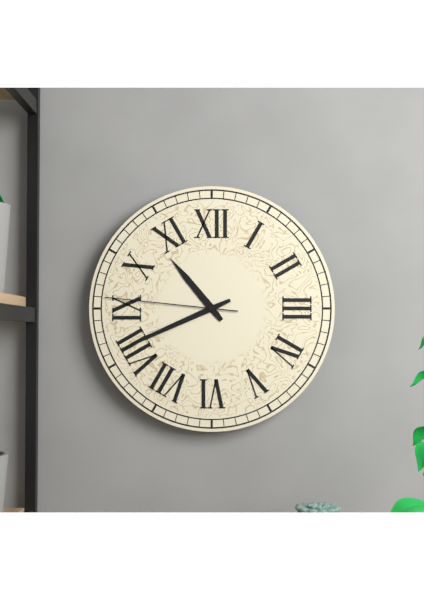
h=10 m=41 s=46
